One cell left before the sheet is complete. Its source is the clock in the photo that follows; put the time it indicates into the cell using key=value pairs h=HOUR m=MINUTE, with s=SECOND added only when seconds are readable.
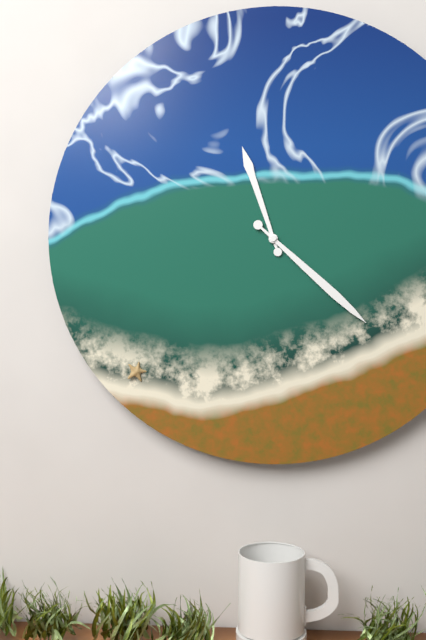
h=11 m=22
